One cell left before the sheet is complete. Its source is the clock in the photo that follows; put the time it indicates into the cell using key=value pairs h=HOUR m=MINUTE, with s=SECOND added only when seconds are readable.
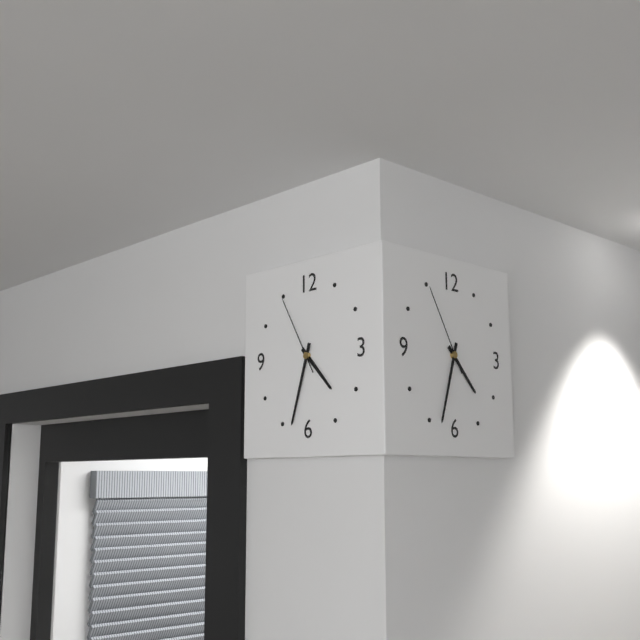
h=4 m=33 s=55
